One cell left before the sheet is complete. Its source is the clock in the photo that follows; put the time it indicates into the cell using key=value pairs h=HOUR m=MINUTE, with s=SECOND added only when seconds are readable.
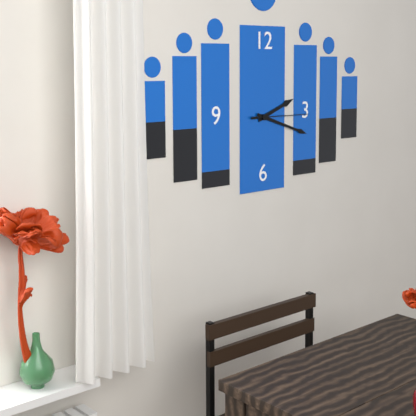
h=2 m=18 s=15
